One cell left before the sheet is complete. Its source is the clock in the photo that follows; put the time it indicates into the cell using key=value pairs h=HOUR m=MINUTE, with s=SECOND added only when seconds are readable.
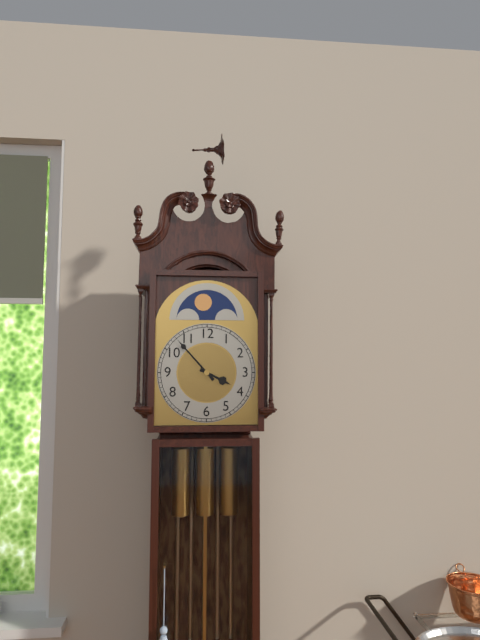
h=3 m=53
